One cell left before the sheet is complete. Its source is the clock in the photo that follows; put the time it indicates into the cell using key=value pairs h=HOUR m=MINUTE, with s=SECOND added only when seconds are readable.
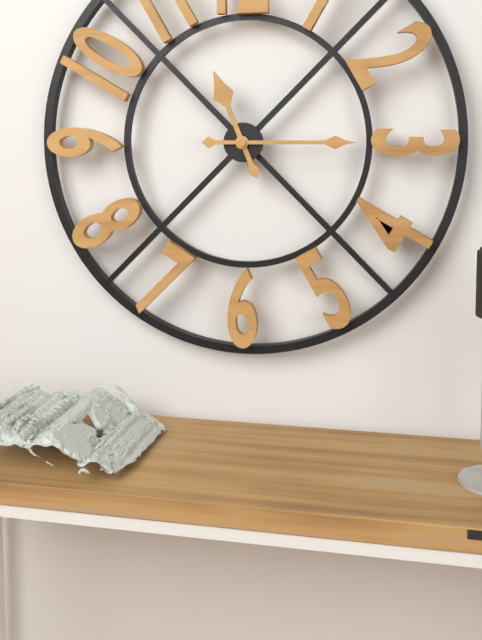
h=11 m=15
